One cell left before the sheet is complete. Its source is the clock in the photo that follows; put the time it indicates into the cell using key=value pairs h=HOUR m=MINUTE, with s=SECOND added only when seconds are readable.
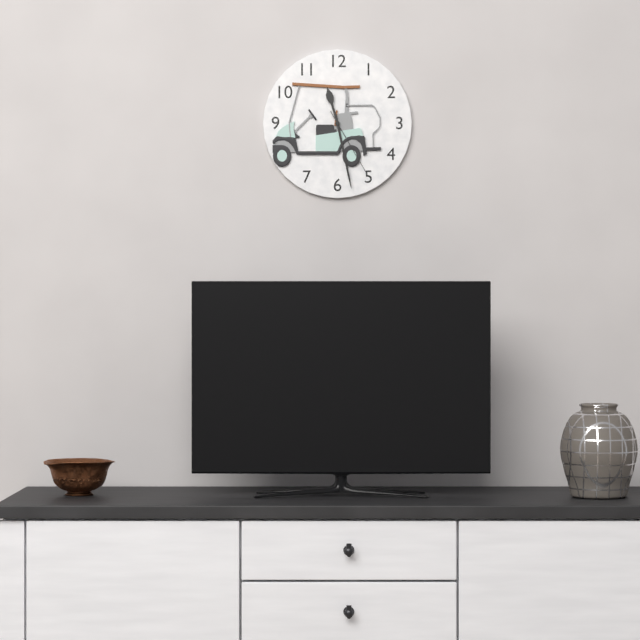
h=11 m=28 s=25
